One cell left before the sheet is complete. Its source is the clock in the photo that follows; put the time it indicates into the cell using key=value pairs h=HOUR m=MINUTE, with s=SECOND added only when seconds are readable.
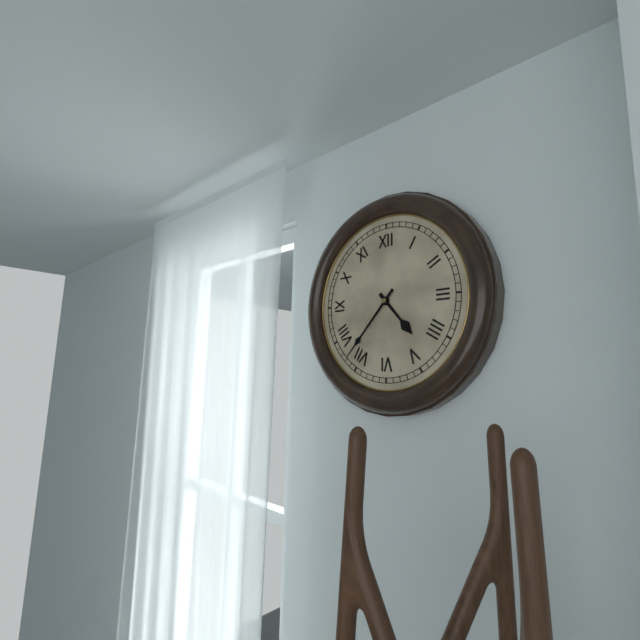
h=4 m=37
